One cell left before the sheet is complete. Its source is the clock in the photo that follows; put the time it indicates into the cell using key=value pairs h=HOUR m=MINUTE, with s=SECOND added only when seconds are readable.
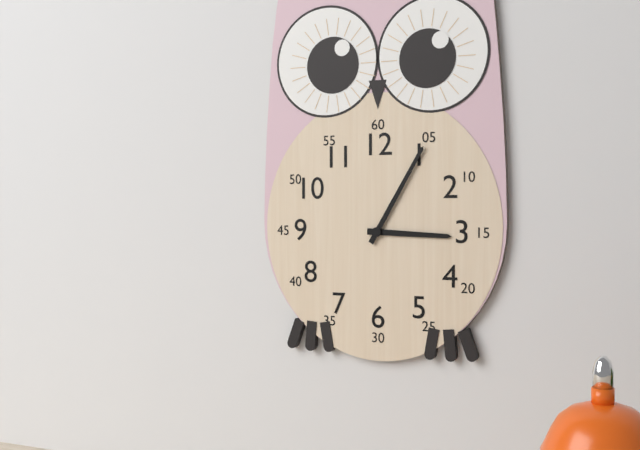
h=3 m=5
